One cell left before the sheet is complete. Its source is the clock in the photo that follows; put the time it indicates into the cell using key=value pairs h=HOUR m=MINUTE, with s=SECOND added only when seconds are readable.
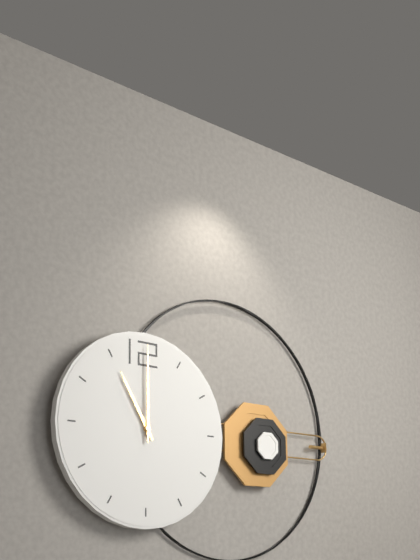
h=11 m=0
